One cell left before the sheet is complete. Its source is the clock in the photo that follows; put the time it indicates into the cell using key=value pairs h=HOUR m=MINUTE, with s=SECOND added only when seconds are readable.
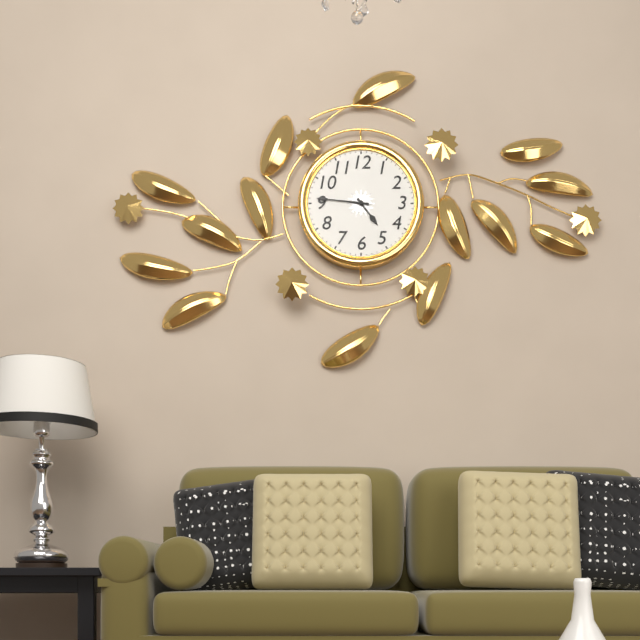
h=4 m=46
